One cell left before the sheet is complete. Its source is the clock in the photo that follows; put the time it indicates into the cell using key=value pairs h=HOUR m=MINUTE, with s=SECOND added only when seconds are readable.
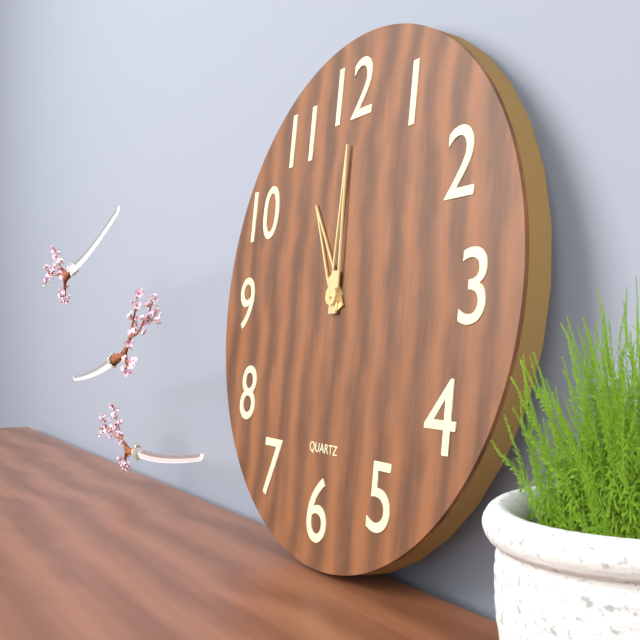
h=11 m=0
